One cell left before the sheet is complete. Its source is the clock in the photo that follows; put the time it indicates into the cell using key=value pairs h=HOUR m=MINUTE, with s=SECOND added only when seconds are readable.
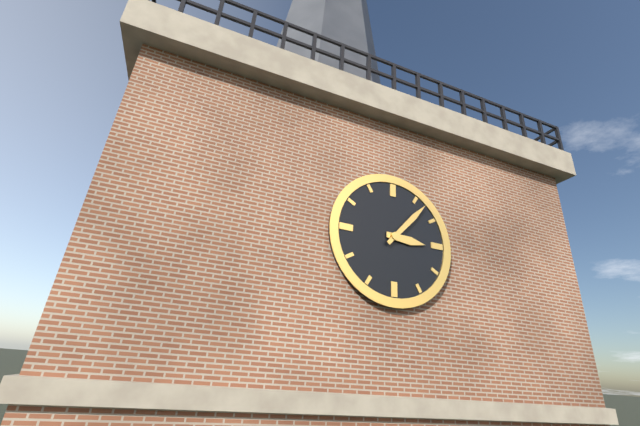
h=3 m=7
